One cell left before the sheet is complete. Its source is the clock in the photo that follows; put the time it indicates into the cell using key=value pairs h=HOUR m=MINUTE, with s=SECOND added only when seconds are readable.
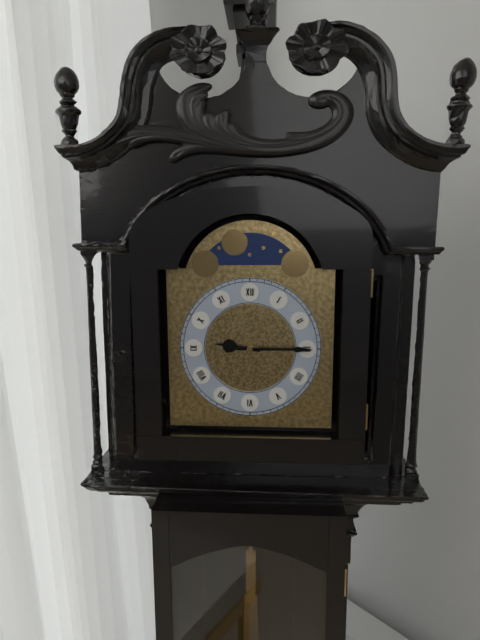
h=9 m=15
